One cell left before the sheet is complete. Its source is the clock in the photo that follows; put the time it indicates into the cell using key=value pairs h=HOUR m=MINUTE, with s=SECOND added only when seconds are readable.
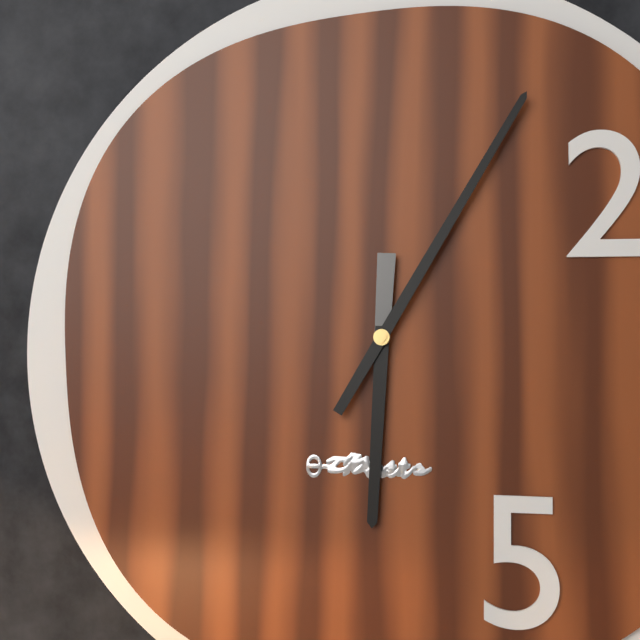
h=6 m=5
